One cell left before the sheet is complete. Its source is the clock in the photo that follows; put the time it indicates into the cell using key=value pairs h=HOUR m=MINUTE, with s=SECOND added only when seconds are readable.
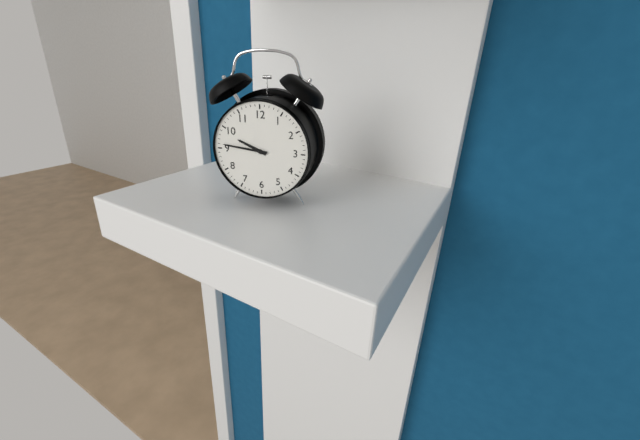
h=9 m=46
